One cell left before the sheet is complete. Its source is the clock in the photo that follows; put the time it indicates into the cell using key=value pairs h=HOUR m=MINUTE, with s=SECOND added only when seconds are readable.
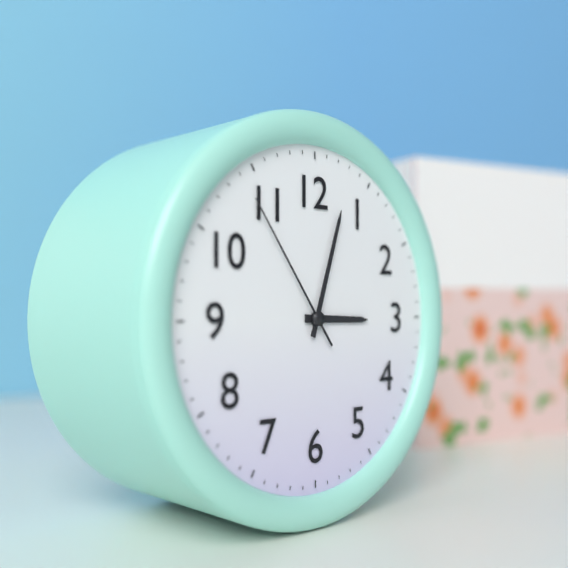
h=3 m=3 s=54
